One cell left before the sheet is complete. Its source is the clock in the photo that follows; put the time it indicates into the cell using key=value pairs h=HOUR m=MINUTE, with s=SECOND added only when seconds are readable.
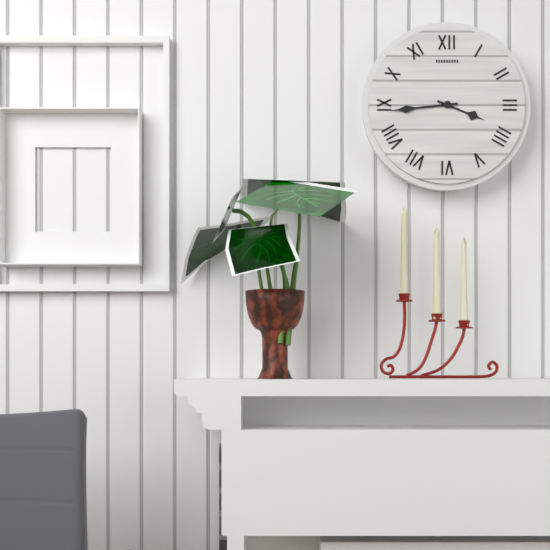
h=3 m=44
